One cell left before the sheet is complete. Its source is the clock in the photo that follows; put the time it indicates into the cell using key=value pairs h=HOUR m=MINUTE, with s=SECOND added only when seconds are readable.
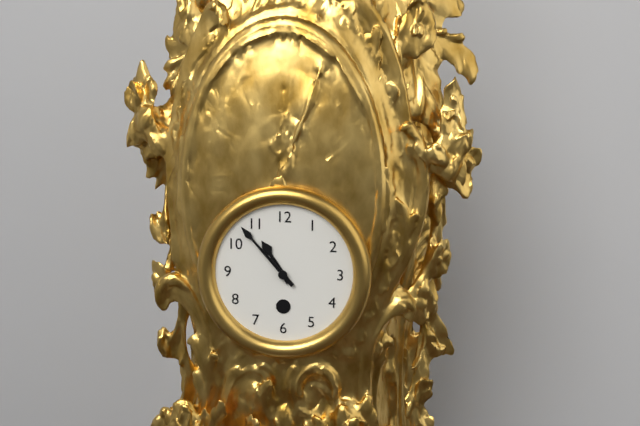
h=10 m=53
